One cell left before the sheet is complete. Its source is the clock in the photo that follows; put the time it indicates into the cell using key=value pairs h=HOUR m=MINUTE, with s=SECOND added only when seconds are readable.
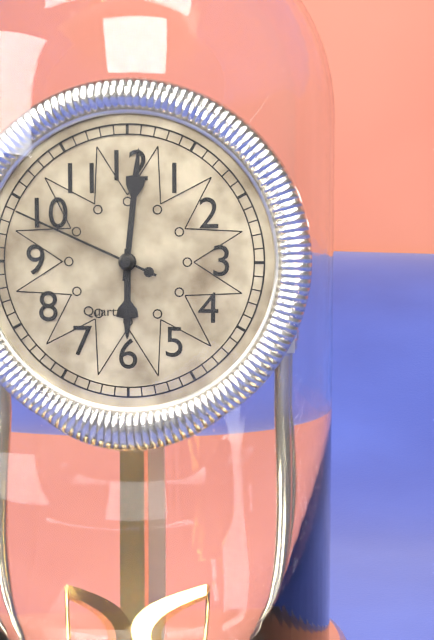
h=6 m=1 s=49
